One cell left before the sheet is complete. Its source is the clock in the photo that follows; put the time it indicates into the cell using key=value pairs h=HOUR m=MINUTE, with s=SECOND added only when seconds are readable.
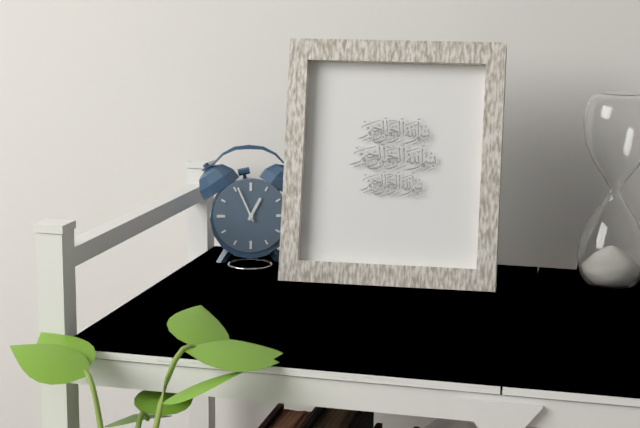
h=12 m=56
